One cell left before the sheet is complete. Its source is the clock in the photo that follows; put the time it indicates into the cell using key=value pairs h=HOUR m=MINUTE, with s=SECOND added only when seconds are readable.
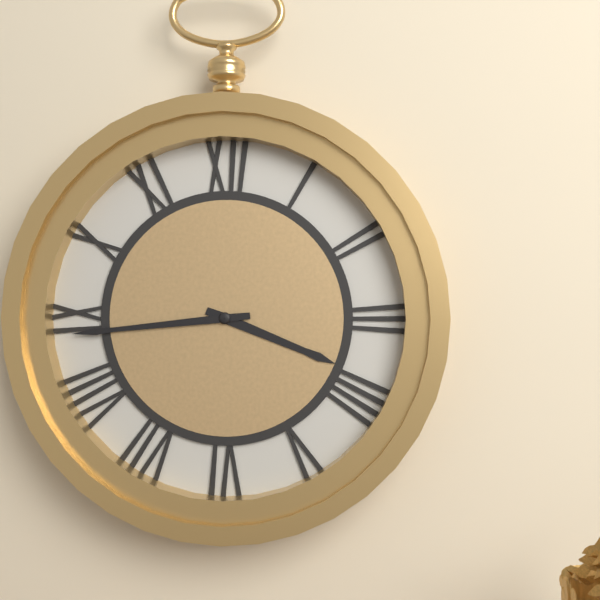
h=3 m=44
